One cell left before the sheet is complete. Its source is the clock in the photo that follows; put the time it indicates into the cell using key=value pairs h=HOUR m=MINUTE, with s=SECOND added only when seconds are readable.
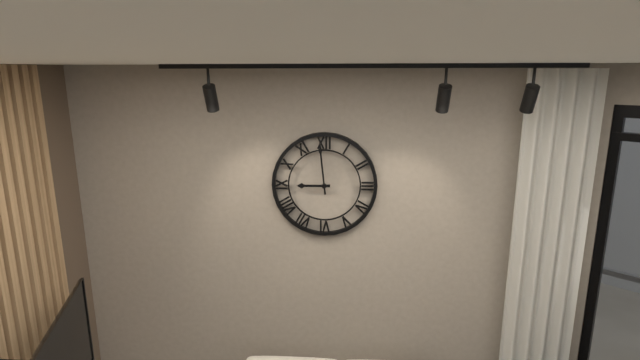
h=8 m=59
